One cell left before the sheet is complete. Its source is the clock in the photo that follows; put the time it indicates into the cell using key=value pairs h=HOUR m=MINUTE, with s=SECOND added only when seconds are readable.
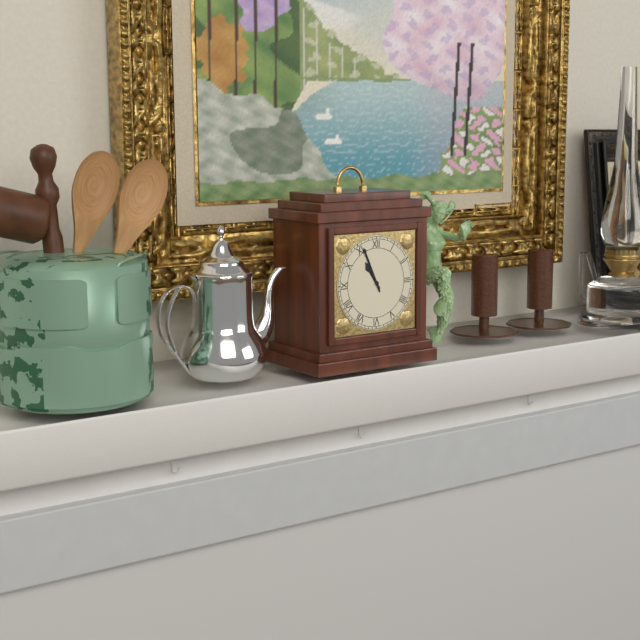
h=10 m=56
